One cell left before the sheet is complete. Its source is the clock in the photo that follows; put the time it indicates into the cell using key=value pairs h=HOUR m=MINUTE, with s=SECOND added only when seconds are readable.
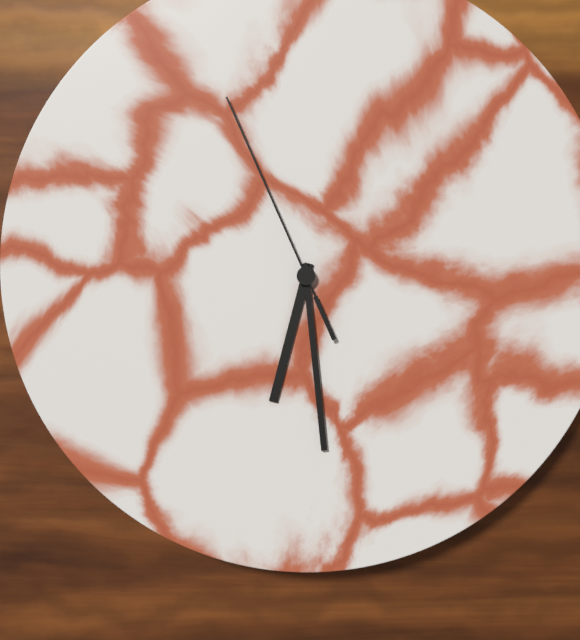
h=6 m=29 s=56
